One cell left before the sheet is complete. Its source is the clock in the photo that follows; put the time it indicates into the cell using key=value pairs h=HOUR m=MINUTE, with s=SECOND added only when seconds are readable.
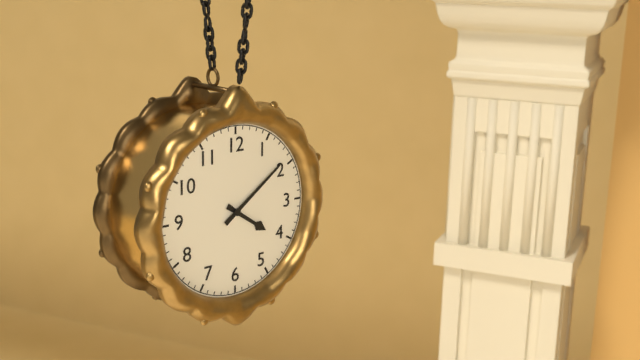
h=4 m=9
